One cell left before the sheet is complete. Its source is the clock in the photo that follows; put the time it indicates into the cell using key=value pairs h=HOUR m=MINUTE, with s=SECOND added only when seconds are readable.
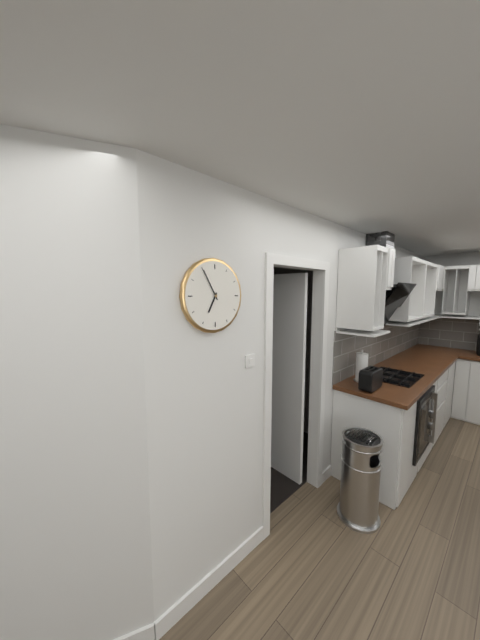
h=6 m=55
